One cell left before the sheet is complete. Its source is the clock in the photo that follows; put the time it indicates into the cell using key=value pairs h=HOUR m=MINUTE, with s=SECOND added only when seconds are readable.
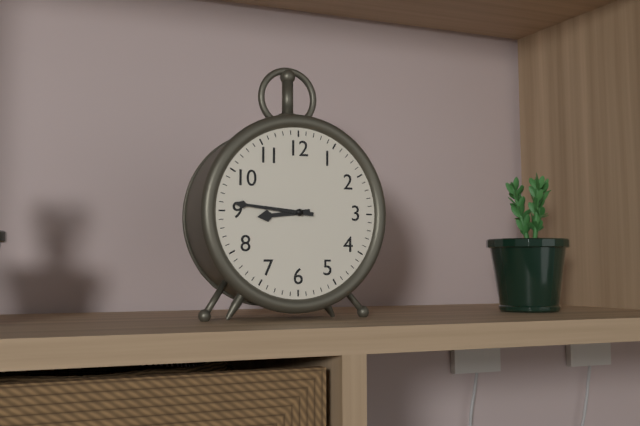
h=8 m=46
